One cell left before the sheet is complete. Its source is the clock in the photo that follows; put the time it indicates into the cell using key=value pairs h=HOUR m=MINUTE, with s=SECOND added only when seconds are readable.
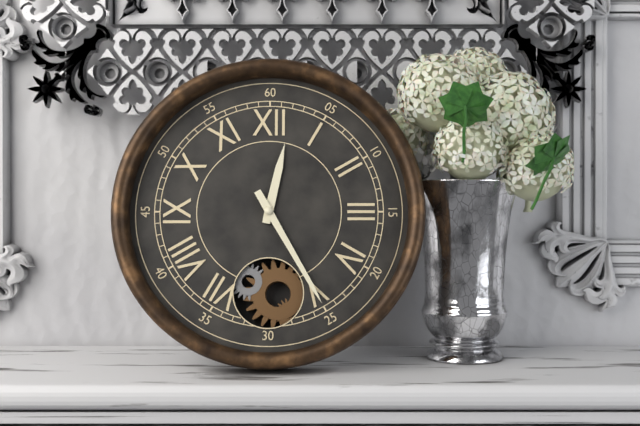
h=12 m=25
